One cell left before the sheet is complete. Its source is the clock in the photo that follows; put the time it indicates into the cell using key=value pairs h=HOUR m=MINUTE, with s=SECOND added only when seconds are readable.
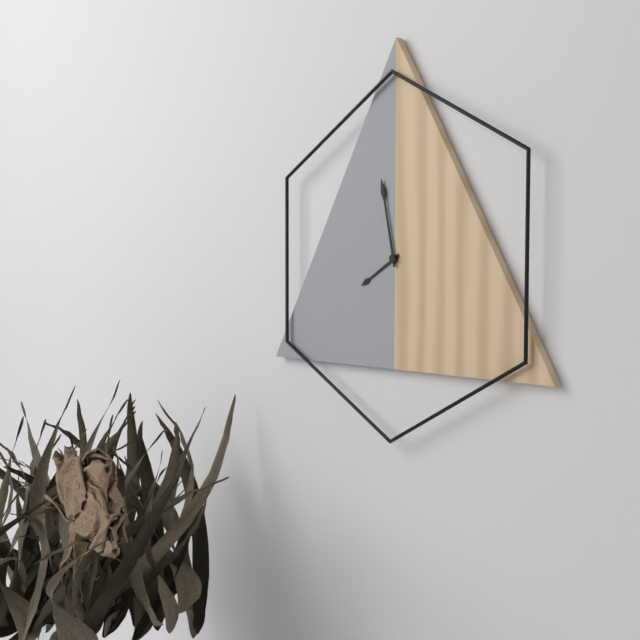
h=7 m=58
